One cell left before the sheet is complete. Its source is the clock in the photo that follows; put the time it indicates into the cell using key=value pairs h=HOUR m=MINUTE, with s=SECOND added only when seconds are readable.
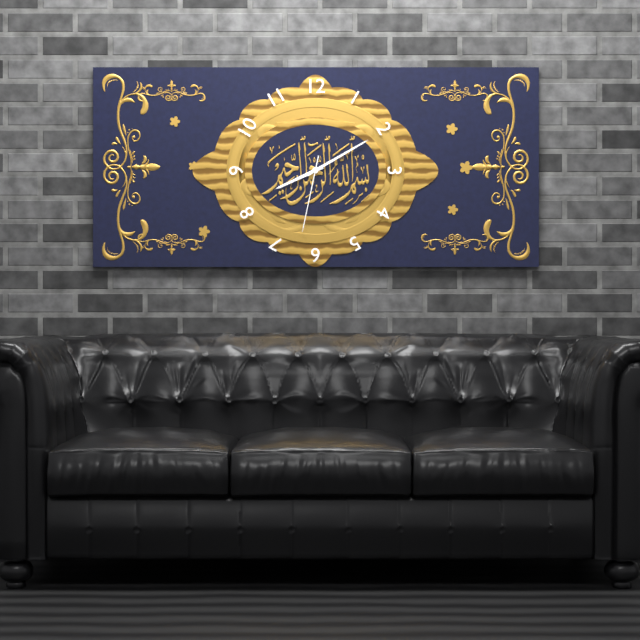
h=8 m=10 s=32
